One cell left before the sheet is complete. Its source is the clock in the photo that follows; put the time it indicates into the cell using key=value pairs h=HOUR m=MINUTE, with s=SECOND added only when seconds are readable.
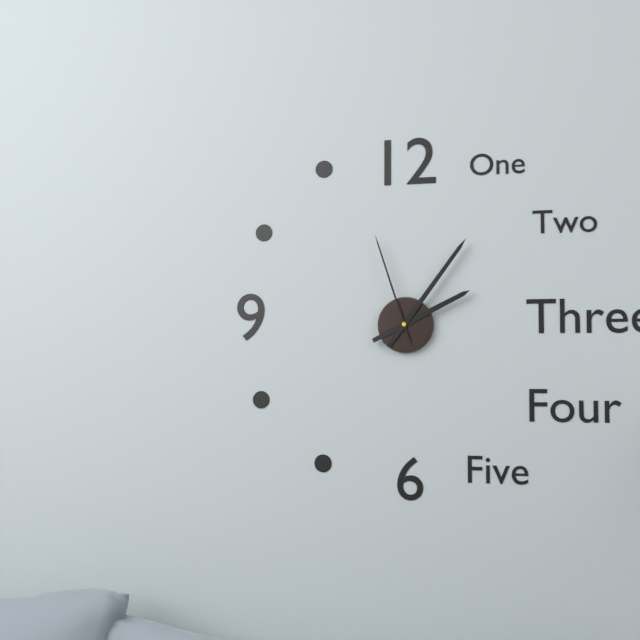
h=2 m=6 s=57
